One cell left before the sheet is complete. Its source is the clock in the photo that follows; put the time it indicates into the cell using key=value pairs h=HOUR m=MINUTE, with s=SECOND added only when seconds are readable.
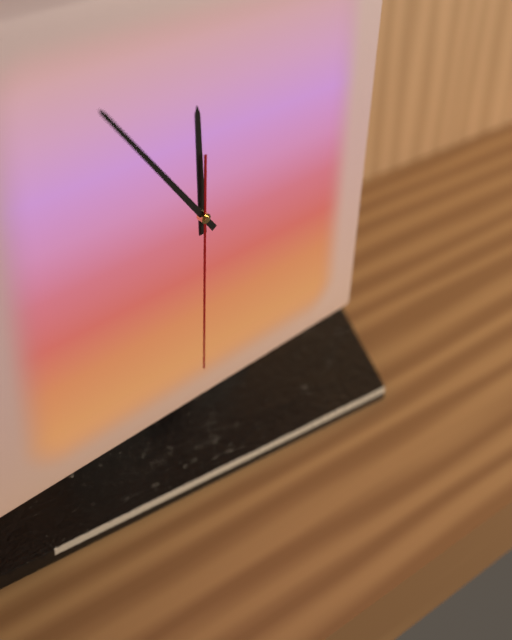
h=11 m=54 s=30
